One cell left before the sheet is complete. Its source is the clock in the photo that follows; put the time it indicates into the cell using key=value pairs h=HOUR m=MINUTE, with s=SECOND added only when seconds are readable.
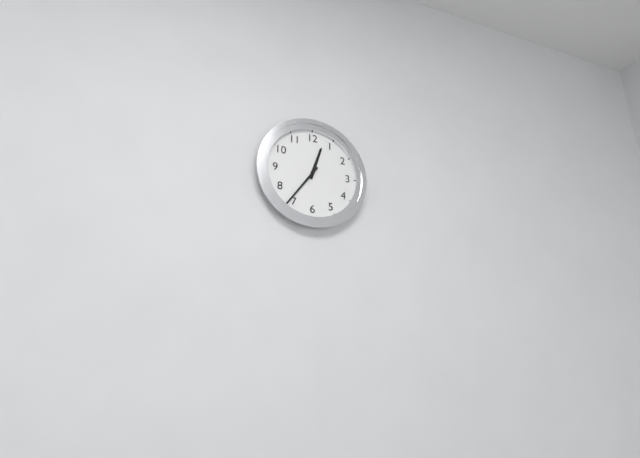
h=12 m=36
